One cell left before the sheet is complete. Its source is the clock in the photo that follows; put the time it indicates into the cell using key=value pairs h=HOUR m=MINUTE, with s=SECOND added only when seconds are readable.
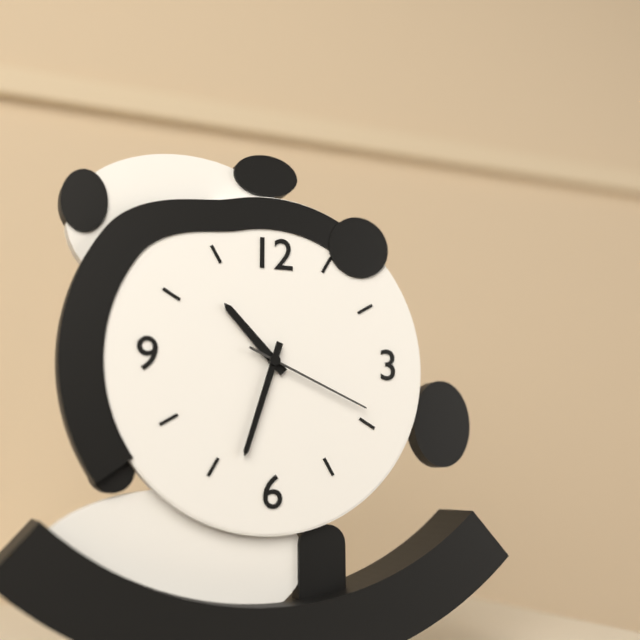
h=10 m=33 s=19
